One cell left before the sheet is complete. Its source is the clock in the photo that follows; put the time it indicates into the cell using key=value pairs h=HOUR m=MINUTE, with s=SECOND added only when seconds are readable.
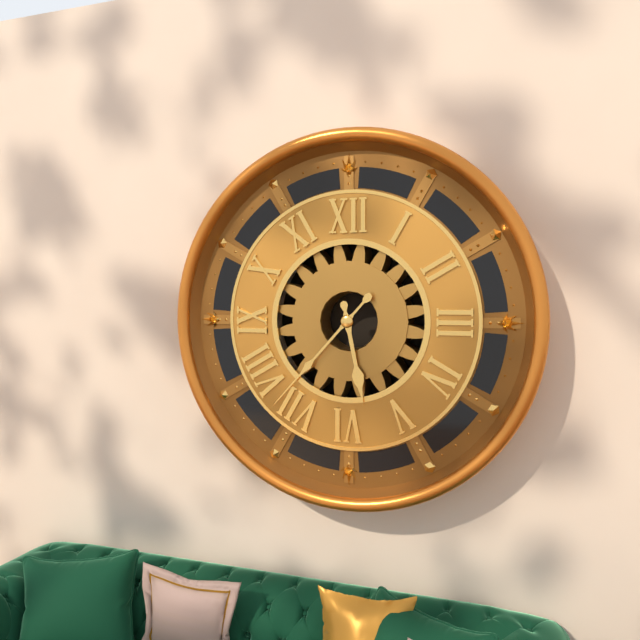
h=5 m=37
